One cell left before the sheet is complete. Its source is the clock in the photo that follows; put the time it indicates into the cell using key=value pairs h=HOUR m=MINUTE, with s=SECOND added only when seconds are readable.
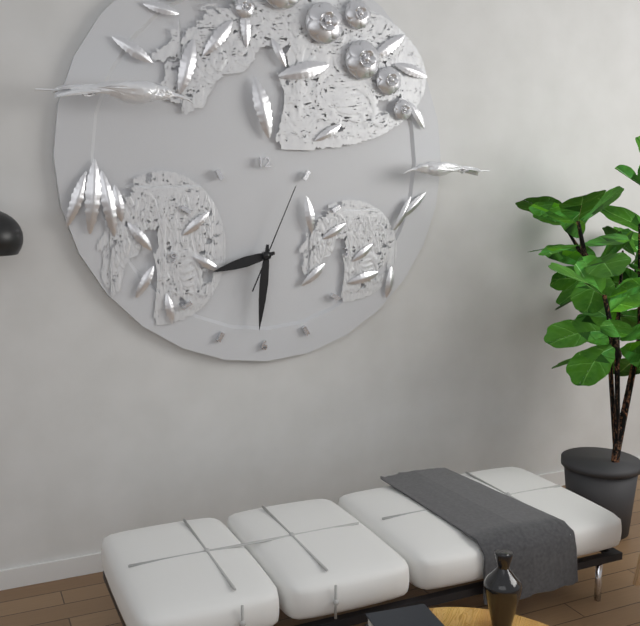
h=8 m=31 s=4
